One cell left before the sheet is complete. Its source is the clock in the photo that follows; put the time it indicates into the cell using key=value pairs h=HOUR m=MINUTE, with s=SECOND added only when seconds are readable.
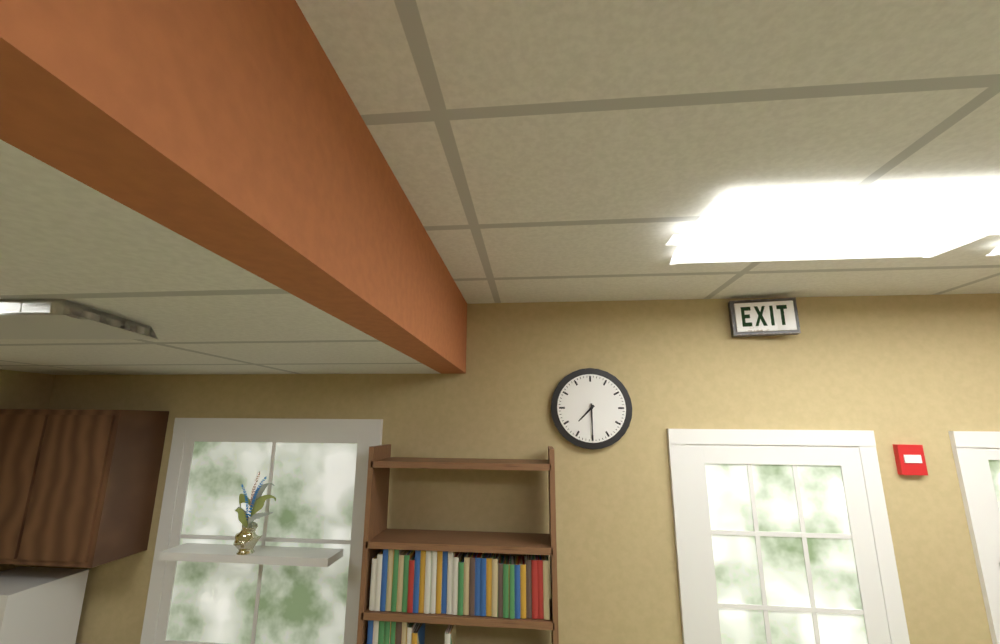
h=7 m=30
